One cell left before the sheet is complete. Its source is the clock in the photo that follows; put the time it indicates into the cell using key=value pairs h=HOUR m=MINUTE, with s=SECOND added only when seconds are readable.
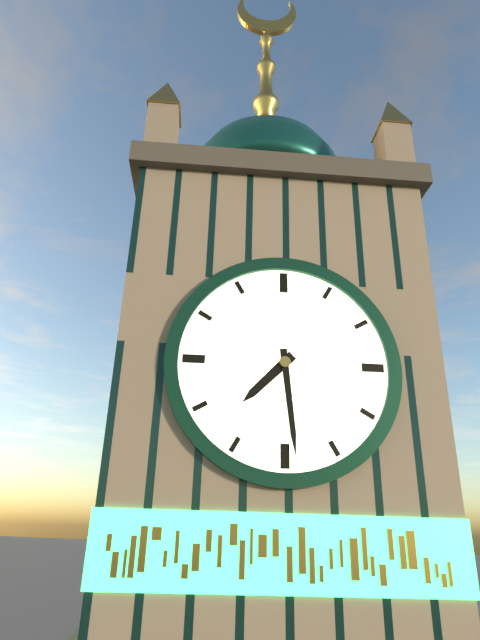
h=7 m=29
